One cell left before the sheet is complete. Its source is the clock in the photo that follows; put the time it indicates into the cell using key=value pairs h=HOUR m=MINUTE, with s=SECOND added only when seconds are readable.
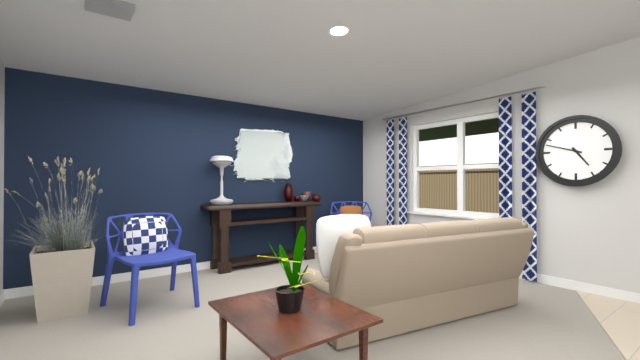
h=4 m=48
